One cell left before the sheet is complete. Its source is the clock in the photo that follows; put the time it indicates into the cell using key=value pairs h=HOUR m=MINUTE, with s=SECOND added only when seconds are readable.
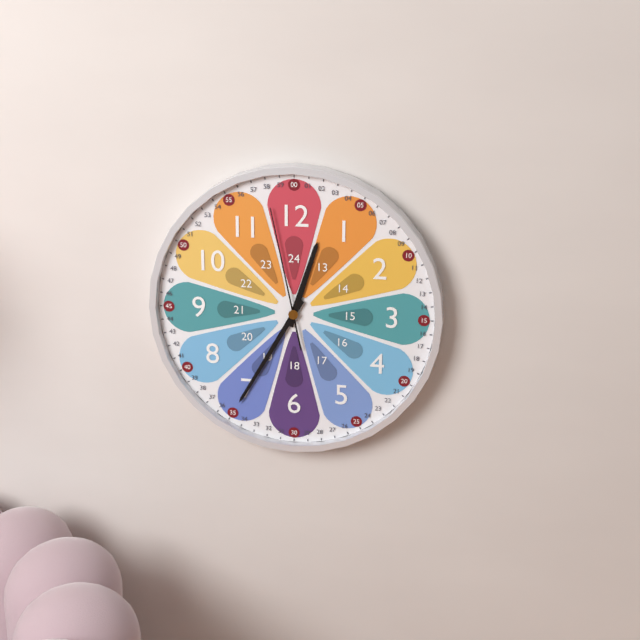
h=12 m=35 s=58
